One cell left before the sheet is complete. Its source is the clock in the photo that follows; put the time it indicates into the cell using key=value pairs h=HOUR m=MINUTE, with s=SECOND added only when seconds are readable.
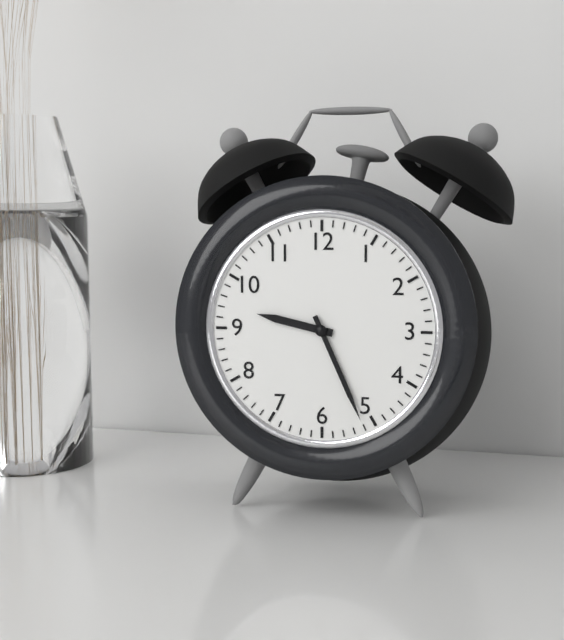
h=9 m=26
